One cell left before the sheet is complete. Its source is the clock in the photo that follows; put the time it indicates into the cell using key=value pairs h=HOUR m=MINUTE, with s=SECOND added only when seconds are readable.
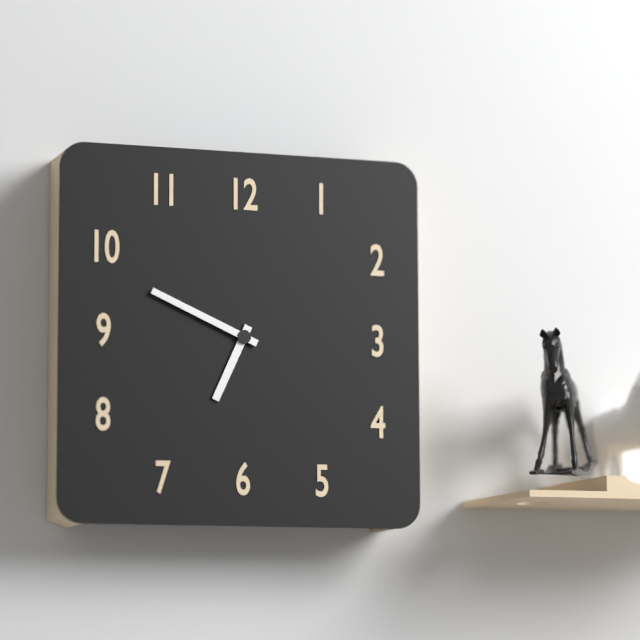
h=6 m=49
